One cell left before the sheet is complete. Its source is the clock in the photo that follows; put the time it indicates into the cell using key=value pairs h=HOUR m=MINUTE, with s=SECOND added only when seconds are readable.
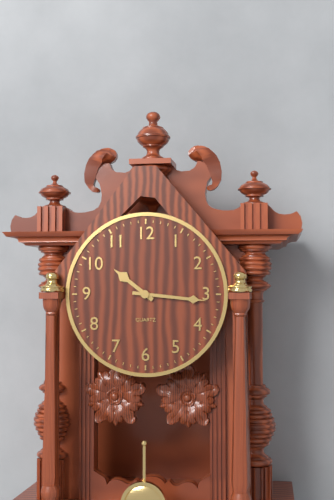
h=10 m=16
